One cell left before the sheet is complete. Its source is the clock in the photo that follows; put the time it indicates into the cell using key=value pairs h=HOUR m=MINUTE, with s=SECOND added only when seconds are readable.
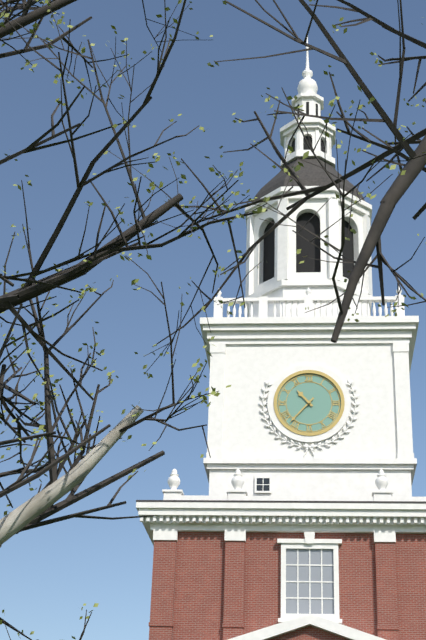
h=10 m=37
